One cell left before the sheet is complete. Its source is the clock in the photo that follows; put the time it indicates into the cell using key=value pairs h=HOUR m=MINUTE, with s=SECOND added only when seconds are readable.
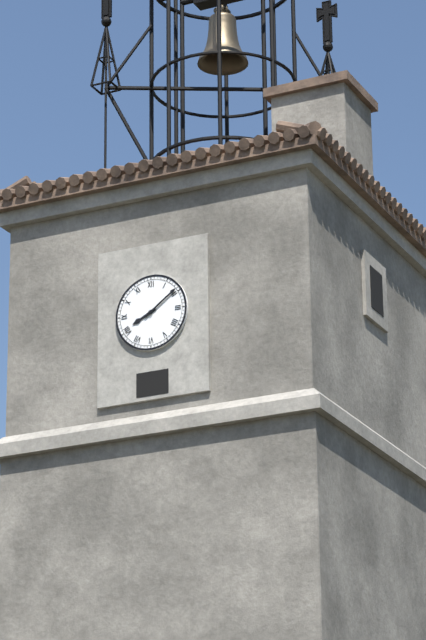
h=8 m=9
